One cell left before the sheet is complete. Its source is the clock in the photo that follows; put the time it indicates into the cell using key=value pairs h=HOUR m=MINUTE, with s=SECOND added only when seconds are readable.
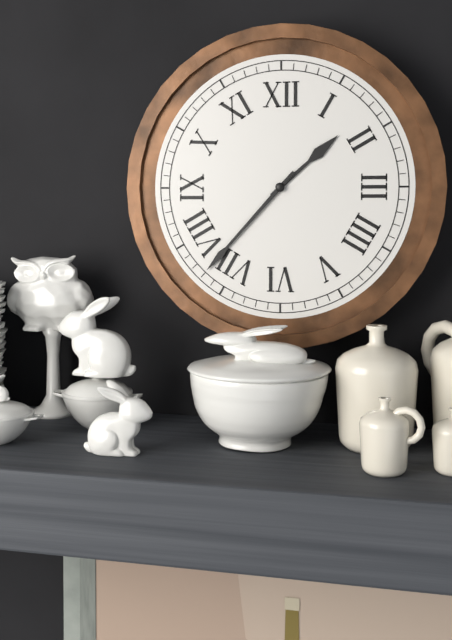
h=1 m=37
